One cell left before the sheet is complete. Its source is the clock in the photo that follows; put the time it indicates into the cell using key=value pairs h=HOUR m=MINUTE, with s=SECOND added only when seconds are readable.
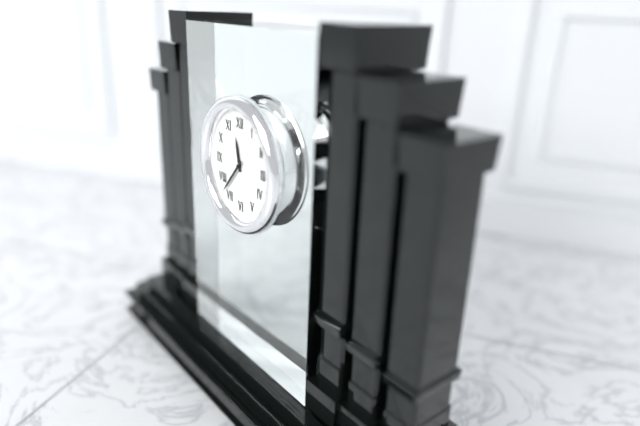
h=11 m=37
